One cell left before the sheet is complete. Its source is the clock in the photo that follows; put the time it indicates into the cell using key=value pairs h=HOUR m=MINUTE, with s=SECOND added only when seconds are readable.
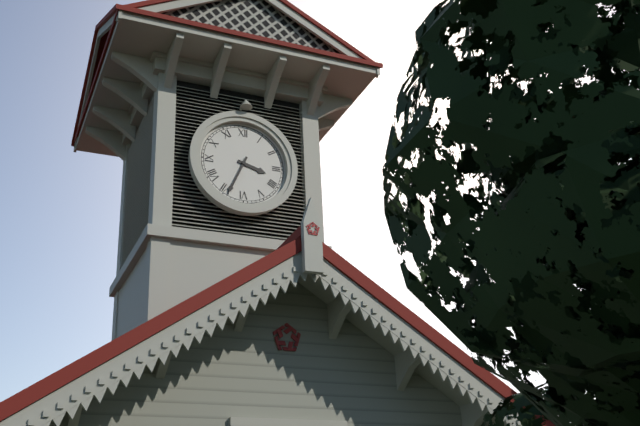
h=3 m=34
